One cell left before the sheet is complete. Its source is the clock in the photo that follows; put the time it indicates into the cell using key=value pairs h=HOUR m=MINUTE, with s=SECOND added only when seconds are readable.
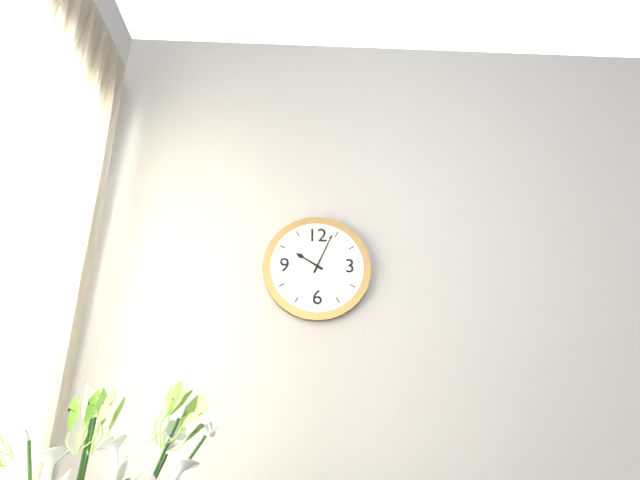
h=10 m=4
